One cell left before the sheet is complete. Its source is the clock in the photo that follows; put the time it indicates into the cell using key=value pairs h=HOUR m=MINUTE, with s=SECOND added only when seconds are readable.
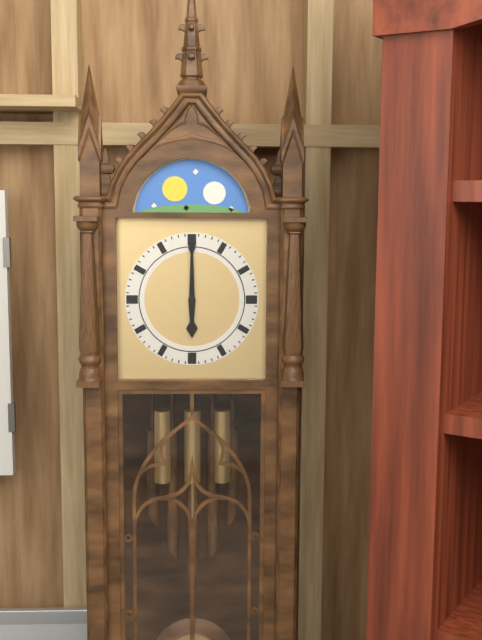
h=6 m=0
